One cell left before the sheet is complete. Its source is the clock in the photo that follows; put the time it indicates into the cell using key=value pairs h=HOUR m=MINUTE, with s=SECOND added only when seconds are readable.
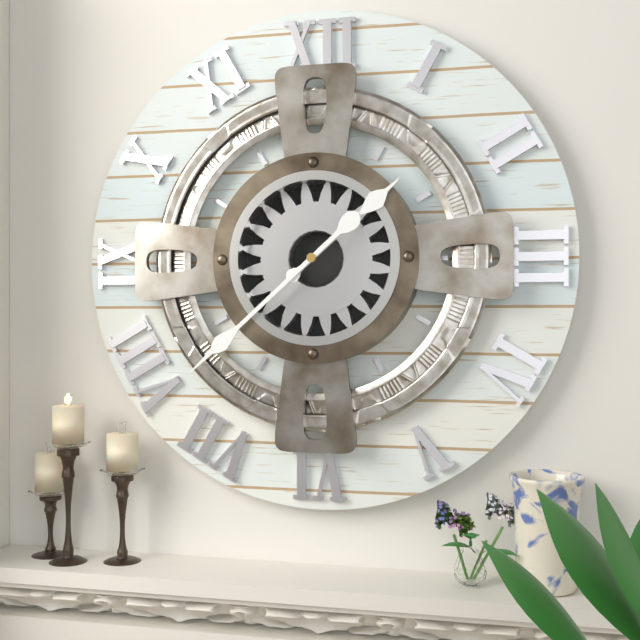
h=1 m=38
